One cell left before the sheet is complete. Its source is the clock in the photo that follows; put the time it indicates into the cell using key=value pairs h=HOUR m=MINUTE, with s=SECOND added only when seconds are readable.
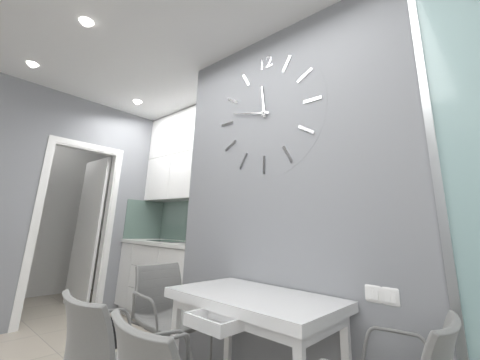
h=11 m=47
